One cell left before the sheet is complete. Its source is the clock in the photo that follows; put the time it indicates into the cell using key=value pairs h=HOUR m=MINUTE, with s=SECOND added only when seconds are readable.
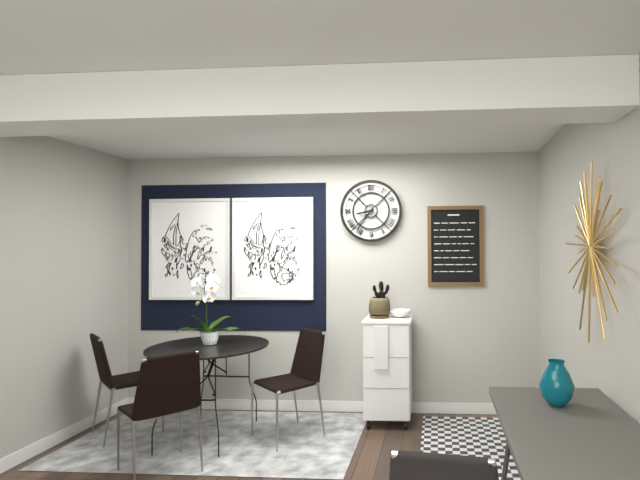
h=8 m=36
